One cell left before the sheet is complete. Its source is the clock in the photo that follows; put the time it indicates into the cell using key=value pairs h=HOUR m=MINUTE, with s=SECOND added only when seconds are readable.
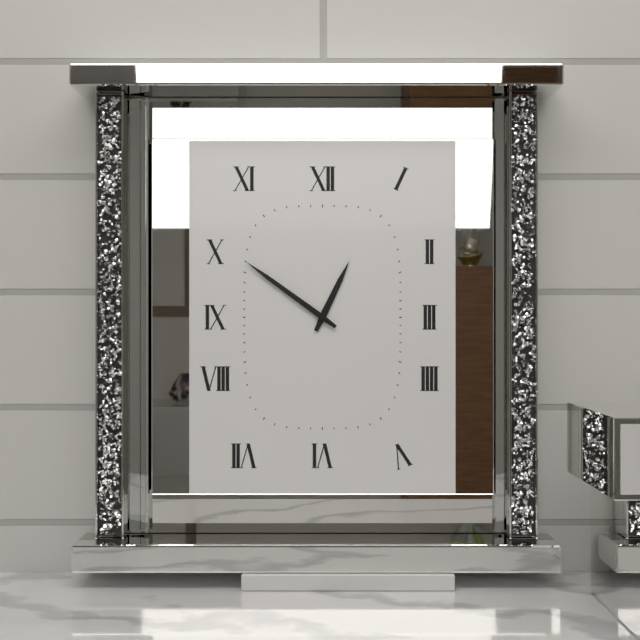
h=12 m=51
